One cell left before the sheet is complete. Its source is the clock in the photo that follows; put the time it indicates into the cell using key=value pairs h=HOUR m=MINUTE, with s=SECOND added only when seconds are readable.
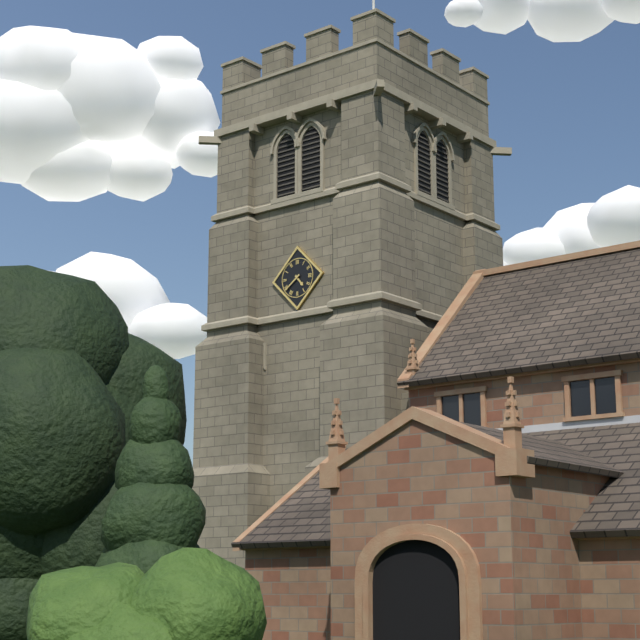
h=4 m=39
